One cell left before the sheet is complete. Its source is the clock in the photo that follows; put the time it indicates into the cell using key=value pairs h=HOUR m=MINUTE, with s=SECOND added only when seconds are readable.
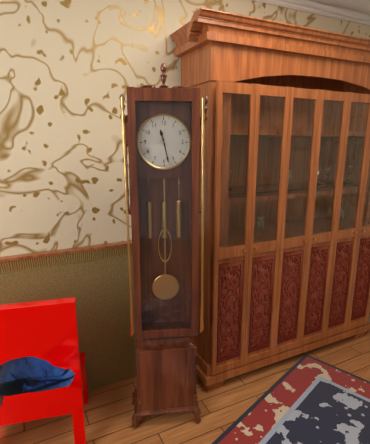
h=11 m=28
